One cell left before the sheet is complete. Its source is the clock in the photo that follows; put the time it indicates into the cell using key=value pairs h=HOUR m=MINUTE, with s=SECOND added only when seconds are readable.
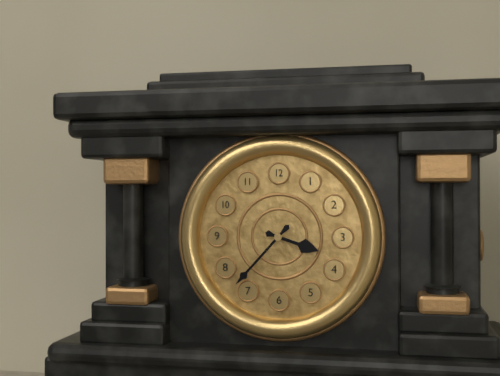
h=3 m=37
